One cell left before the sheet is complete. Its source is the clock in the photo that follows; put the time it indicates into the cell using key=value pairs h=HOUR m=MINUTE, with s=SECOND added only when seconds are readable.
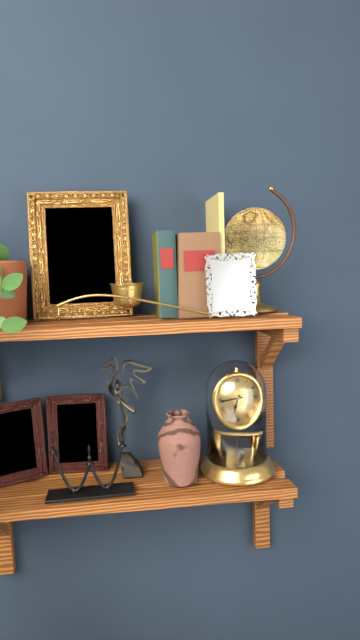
h=6 m=44
